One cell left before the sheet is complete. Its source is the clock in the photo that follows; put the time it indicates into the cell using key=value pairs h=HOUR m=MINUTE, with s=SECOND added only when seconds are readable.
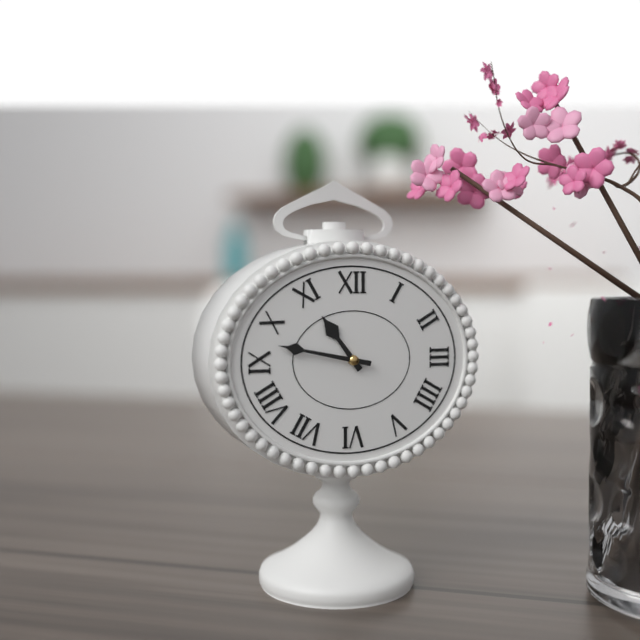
h=10 m=47
